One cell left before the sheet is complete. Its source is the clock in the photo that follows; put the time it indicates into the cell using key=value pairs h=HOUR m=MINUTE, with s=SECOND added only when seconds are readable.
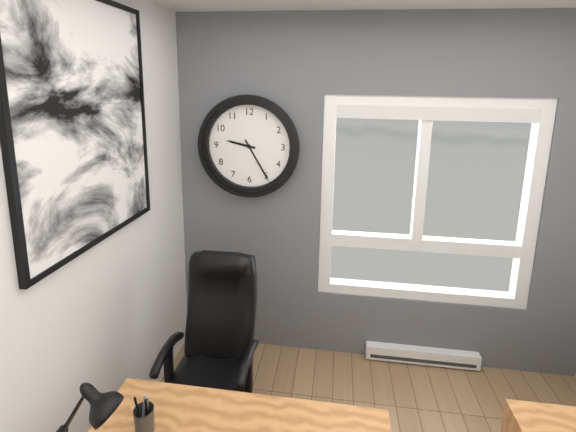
h=9 m=25
